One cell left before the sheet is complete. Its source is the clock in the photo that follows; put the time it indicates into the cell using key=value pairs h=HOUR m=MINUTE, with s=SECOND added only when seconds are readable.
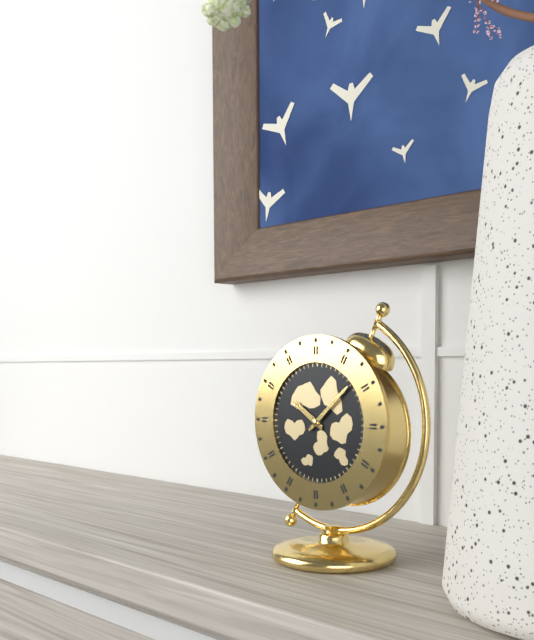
h=10 m=8
